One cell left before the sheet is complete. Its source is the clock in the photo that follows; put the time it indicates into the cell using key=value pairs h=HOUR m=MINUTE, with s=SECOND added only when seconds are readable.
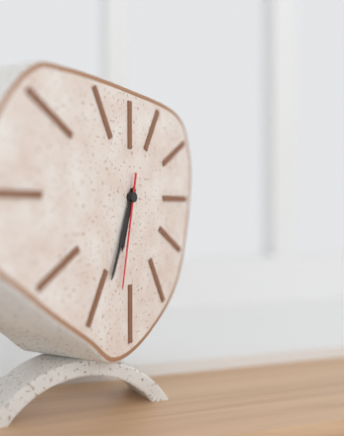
h=6 m=34 s=32
